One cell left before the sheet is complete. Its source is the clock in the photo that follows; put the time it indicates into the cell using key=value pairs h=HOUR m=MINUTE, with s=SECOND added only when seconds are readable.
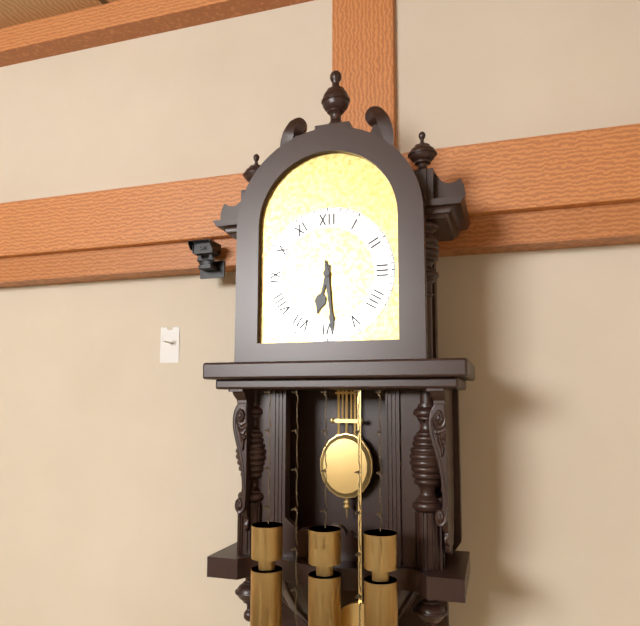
h=6 m=29
